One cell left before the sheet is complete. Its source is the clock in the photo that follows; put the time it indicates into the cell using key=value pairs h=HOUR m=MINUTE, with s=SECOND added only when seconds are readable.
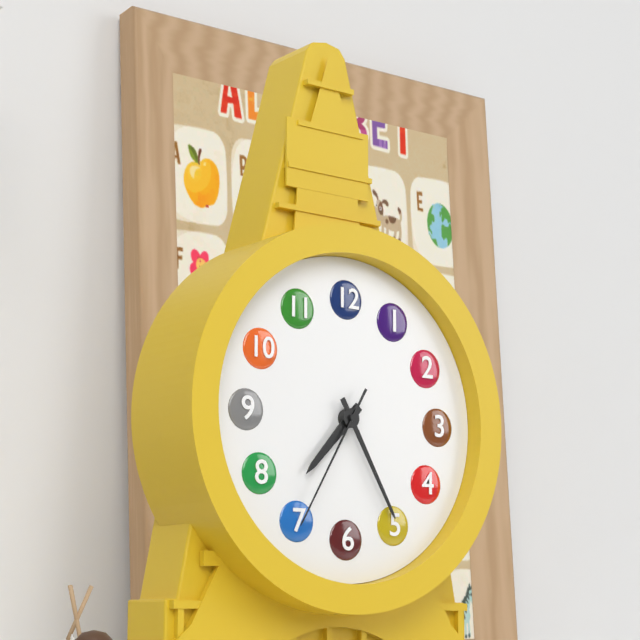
h=7 m=25 s=35
